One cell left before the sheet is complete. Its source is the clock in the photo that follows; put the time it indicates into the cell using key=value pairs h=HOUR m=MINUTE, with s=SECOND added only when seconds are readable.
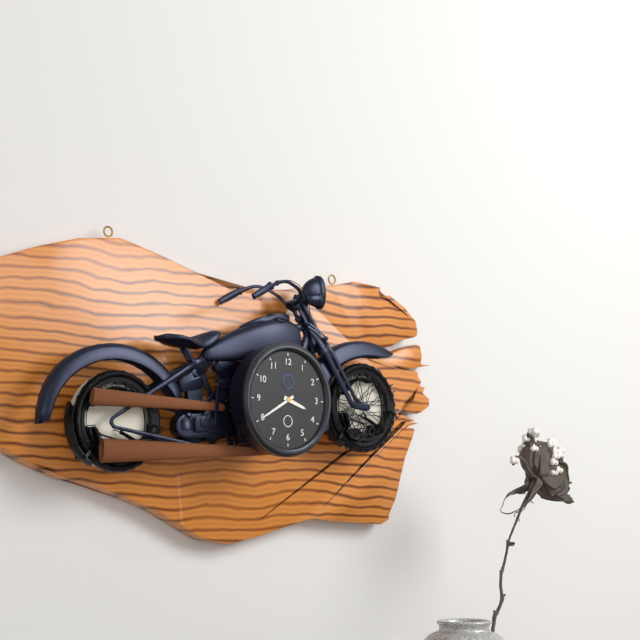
h=3 m=40
